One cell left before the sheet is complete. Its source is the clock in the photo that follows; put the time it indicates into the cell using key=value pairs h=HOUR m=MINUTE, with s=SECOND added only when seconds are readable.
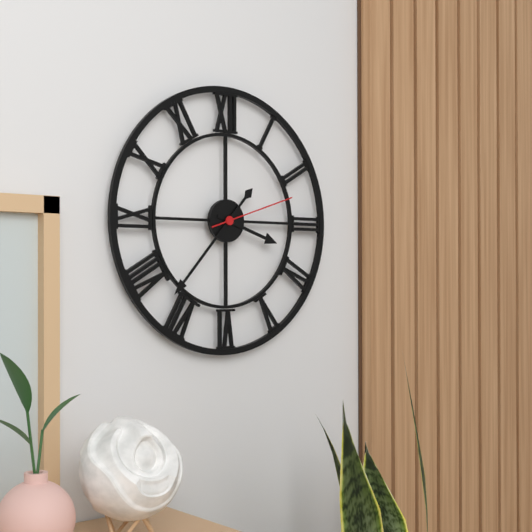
h=3 m=37 s=12
